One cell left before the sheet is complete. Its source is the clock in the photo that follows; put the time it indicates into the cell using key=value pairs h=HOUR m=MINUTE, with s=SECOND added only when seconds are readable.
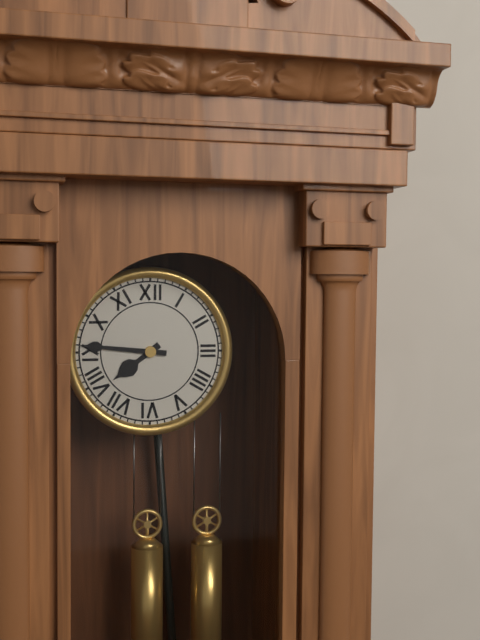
h=7 m=46
